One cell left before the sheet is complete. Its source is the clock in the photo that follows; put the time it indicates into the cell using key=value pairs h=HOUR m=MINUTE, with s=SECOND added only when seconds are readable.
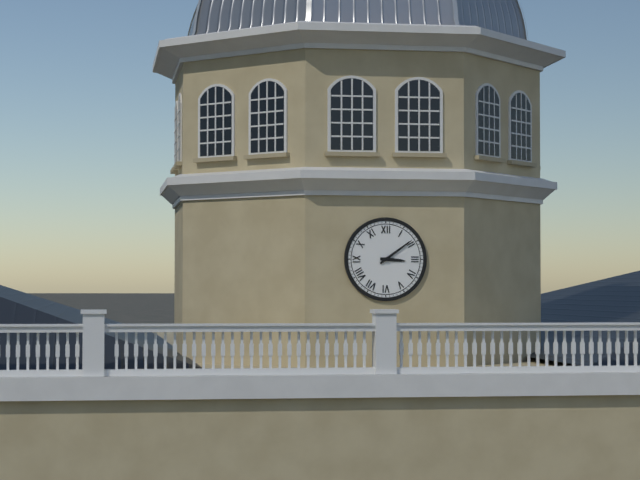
h=3 m=9
